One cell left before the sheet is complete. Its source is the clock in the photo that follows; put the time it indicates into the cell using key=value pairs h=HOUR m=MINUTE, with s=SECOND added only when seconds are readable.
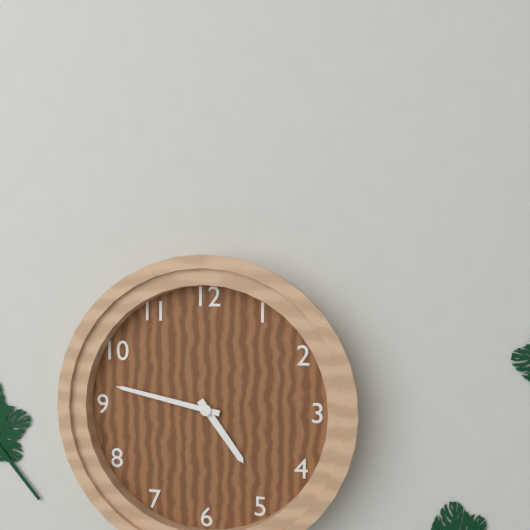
h=4 m=47
